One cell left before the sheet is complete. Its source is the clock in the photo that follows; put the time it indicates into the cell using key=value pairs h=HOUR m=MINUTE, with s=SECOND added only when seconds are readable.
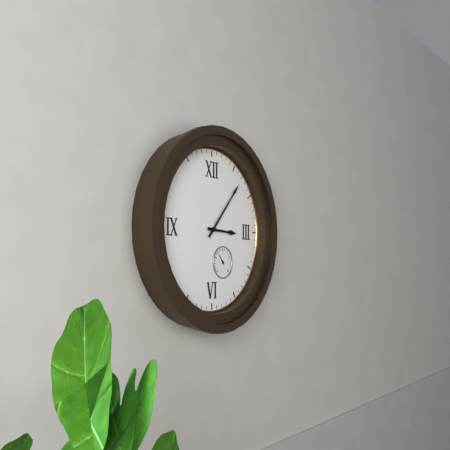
h=3 m=7
